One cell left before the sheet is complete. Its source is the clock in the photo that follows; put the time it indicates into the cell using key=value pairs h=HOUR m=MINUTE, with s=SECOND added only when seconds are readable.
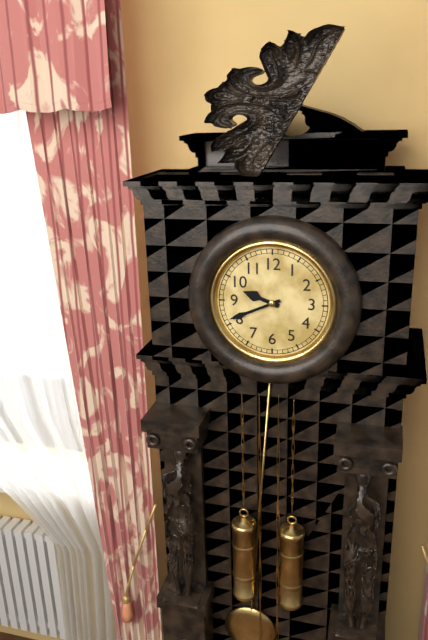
h=9 m=41
